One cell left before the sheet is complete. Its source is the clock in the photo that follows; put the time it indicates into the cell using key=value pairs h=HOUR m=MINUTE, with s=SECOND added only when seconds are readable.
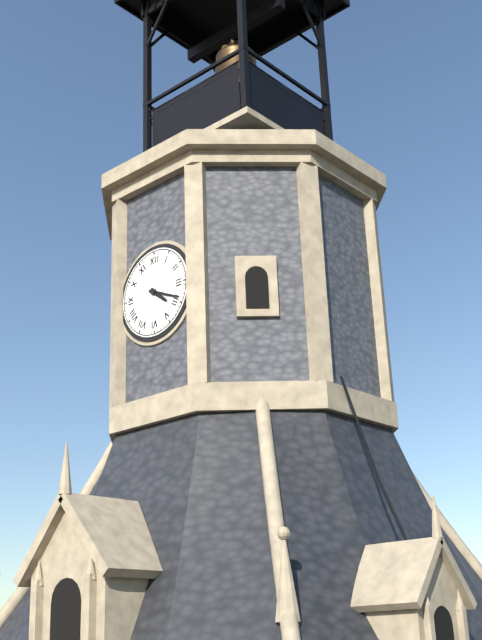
h=4 m=19
